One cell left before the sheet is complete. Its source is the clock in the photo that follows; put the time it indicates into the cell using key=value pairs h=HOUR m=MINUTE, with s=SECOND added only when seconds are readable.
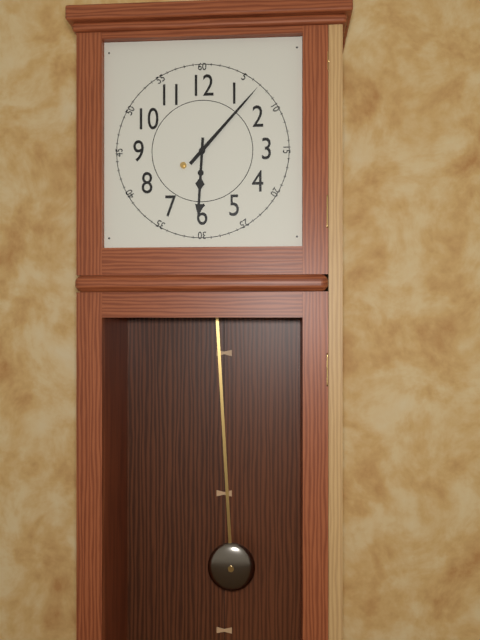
h=6 m=7
